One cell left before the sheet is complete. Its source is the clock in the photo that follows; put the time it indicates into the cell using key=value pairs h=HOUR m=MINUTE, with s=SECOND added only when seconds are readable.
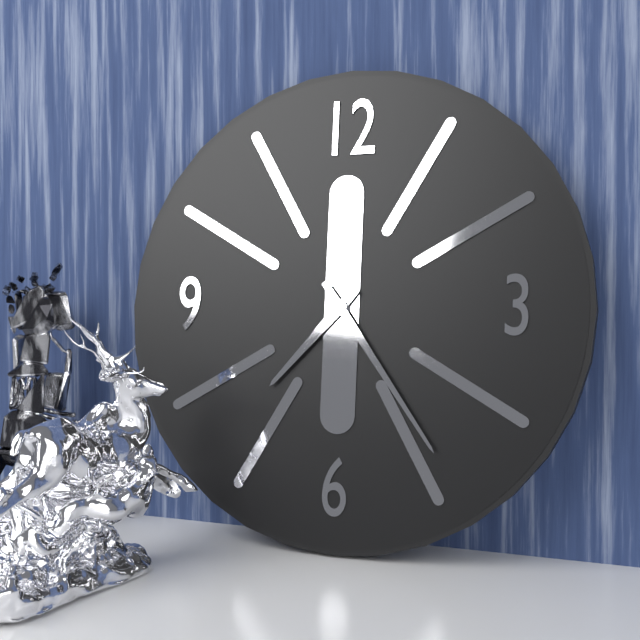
h=7 m=24
